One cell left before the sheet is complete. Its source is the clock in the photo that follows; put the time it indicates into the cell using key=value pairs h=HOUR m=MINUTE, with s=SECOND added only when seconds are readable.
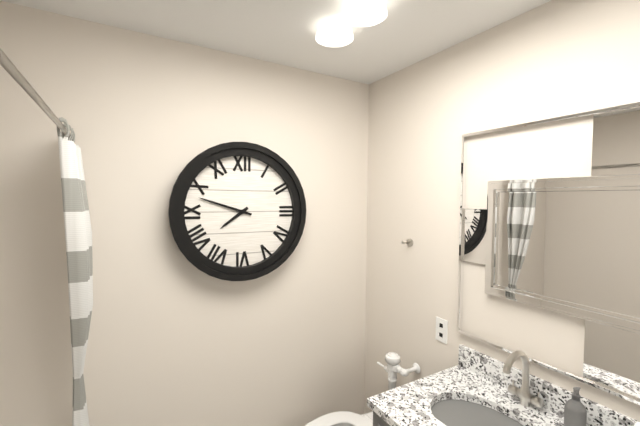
h=7 m=48
